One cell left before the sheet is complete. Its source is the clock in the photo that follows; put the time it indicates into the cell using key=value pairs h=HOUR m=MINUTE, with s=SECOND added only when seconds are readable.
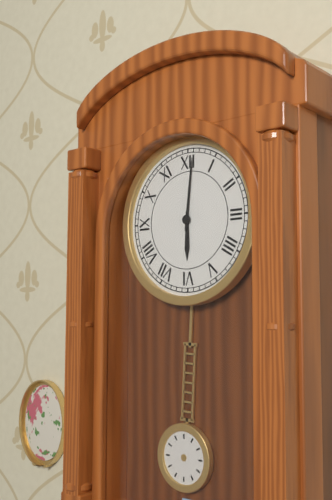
h=6 m=1
